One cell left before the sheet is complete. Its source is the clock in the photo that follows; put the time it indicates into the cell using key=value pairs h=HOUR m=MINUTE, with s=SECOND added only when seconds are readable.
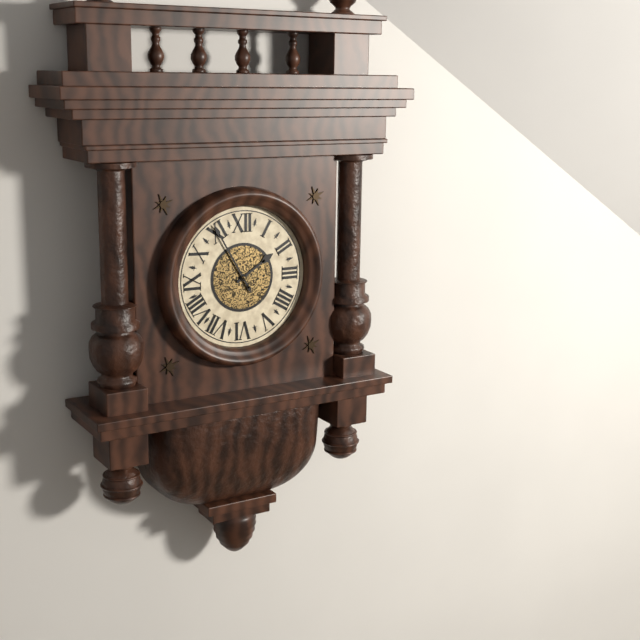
h=1 m=55
